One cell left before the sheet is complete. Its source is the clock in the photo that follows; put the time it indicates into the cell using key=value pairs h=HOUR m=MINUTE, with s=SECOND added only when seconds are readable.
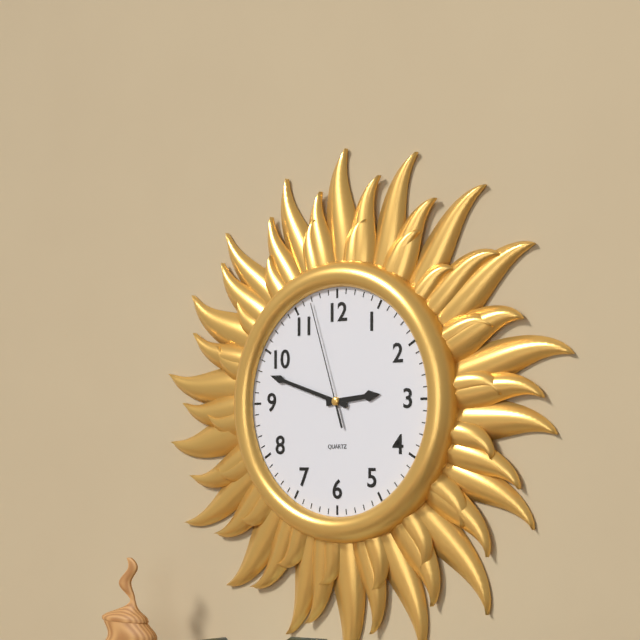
h=2 m=48 s=57
